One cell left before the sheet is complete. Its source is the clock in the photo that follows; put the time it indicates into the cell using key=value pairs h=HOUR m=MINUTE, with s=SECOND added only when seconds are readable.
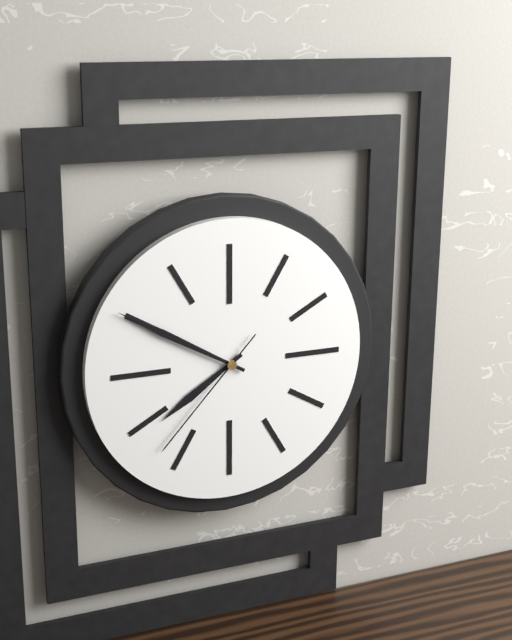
h=7 m=50 s=37
